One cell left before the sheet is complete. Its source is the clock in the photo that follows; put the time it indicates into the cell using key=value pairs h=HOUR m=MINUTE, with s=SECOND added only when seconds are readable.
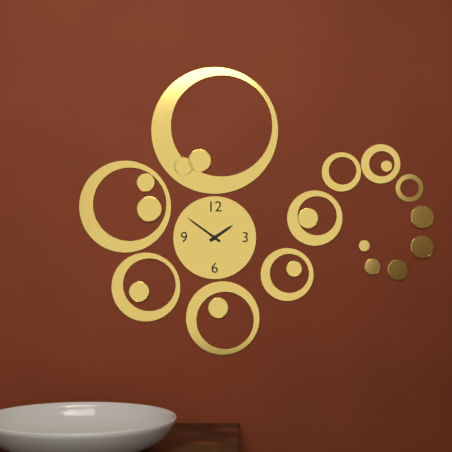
h=1 m=51
